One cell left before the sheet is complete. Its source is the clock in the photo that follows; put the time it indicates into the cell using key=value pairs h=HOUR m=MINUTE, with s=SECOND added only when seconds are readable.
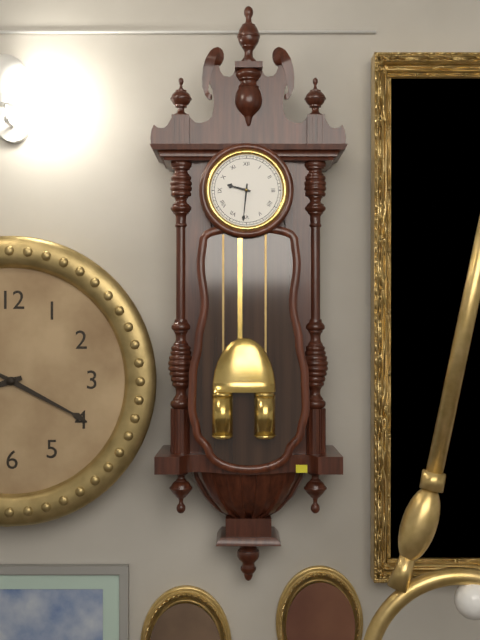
h=9 m=31
